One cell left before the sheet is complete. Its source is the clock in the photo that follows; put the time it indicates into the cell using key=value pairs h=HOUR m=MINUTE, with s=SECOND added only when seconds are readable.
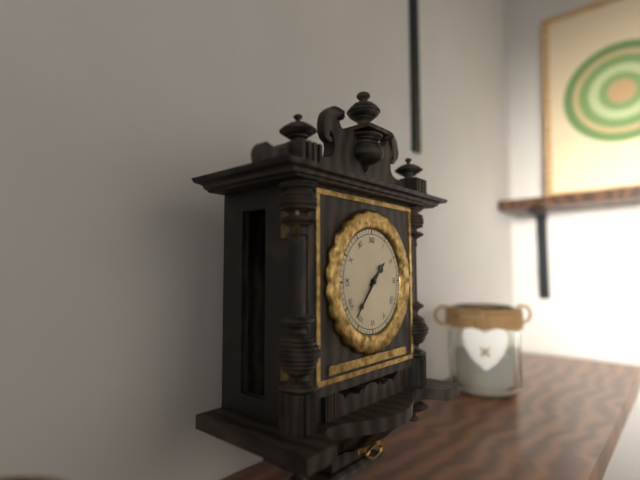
h=1 m=37
